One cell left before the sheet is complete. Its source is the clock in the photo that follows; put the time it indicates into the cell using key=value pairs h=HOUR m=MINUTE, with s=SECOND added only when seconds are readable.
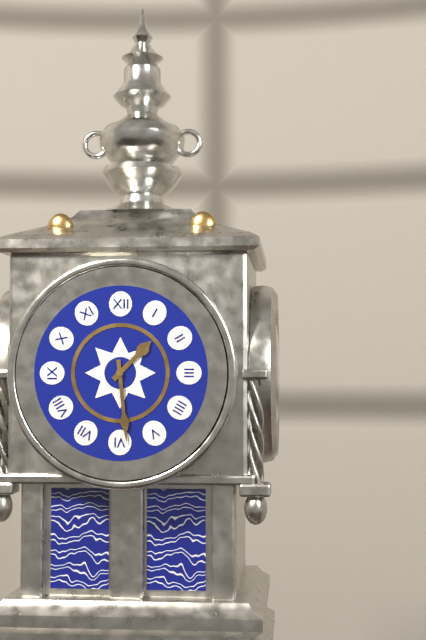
h=1 m=29
